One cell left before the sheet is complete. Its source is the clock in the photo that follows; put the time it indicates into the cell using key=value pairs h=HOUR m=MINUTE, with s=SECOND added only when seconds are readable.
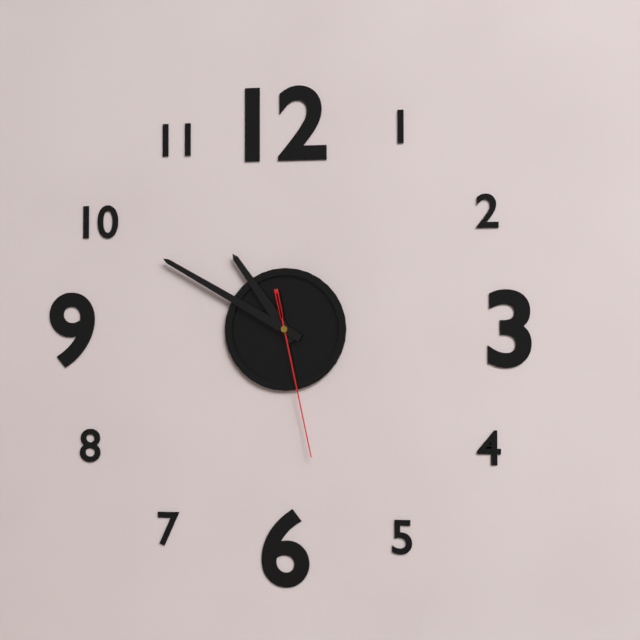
h=10 m=50 s=28
